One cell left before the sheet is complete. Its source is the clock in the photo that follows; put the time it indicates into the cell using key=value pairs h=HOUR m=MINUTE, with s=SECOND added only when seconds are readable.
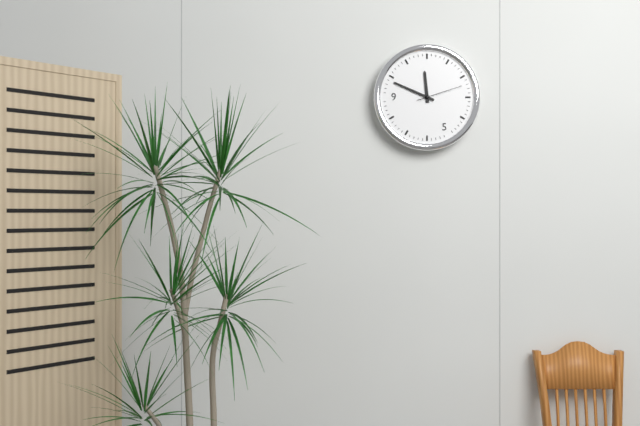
h=11 m=49
